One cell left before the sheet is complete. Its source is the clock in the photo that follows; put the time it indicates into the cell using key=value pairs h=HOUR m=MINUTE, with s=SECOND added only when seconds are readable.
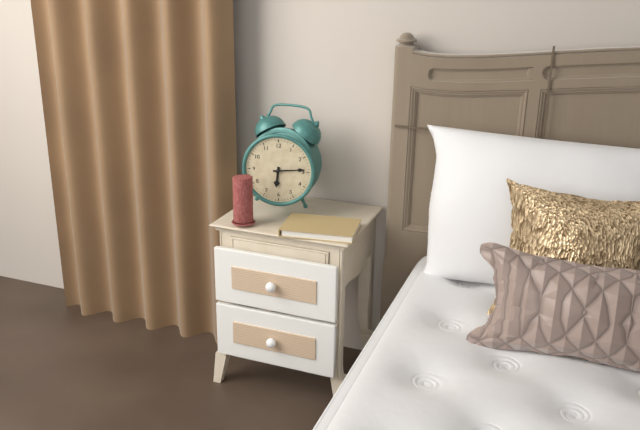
h=6 m=14
